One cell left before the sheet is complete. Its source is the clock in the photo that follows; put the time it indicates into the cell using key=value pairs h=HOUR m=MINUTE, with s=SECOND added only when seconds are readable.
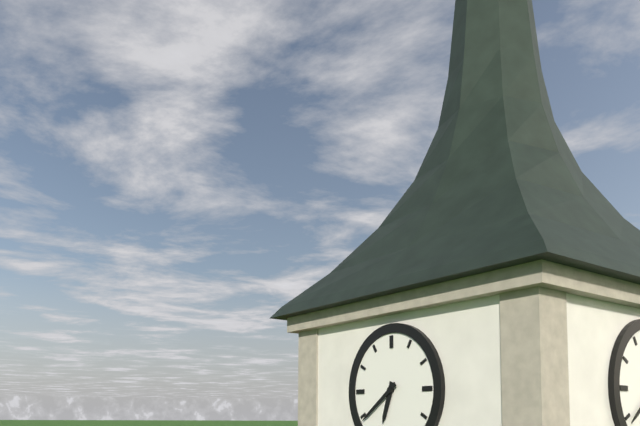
h=6 m=39
